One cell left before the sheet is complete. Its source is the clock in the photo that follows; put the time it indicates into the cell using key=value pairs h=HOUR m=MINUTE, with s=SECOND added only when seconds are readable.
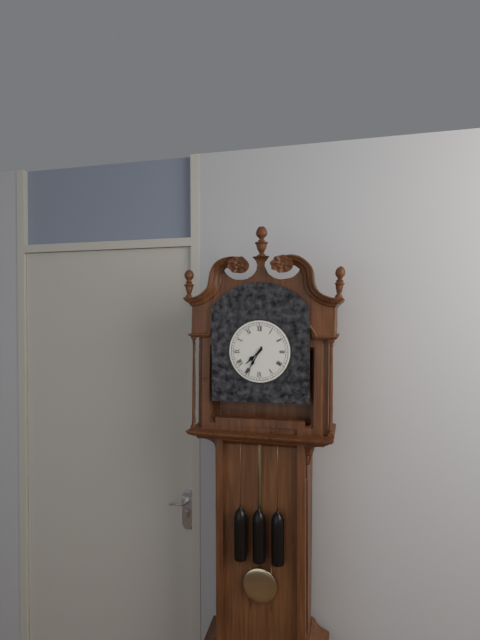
h=7 m=35
